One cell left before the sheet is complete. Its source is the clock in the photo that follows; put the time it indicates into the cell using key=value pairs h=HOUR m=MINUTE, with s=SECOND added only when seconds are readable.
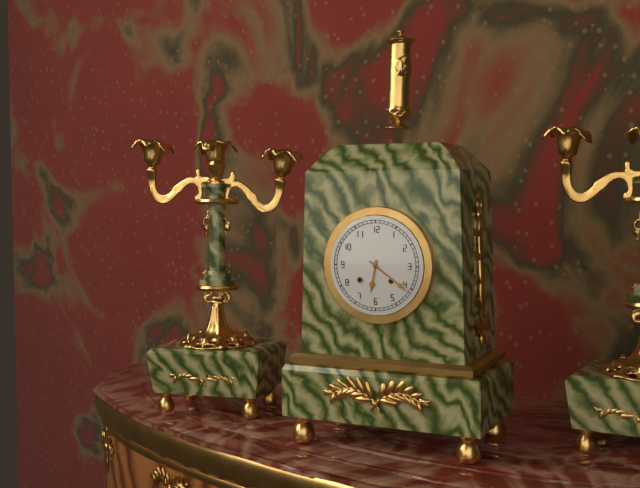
h=6 m=21
